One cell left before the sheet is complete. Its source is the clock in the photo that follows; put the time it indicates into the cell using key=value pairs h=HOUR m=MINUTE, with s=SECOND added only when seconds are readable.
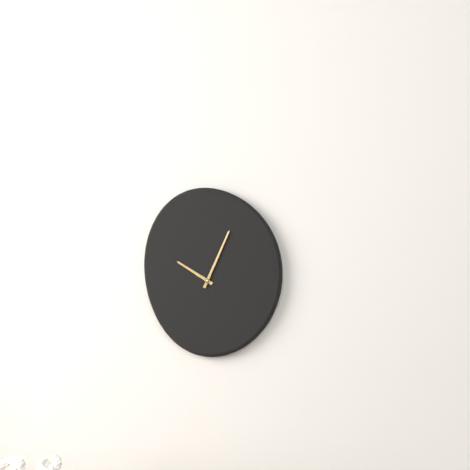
h=10 m=4
